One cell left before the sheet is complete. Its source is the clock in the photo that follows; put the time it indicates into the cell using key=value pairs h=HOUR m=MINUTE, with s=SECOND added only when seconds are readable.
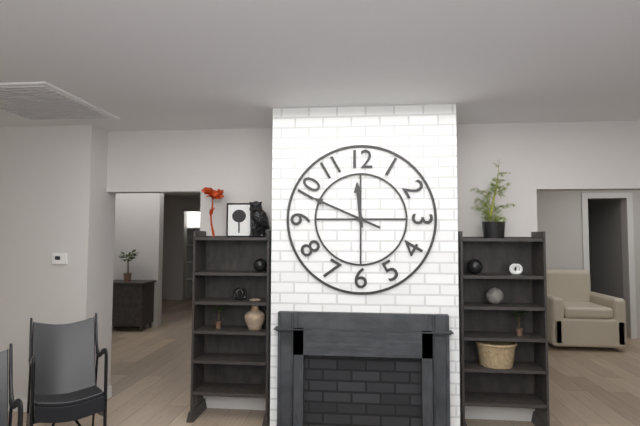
h=11 m=49
